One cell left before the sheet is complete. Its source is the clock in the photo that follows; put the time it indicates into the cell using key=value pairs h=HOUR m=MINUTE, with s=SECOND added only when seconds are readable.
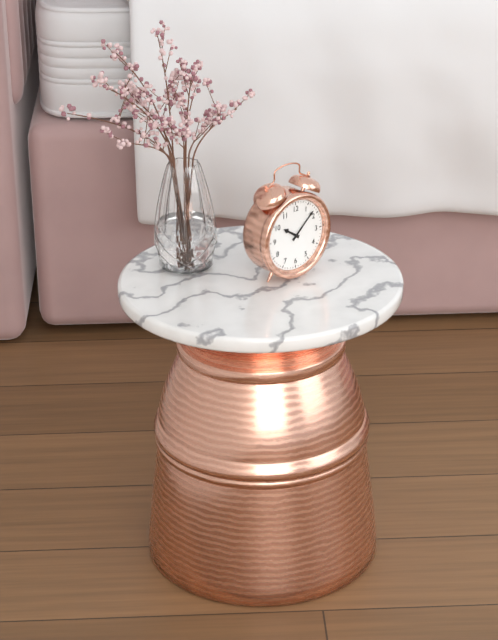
h=10 m=8
